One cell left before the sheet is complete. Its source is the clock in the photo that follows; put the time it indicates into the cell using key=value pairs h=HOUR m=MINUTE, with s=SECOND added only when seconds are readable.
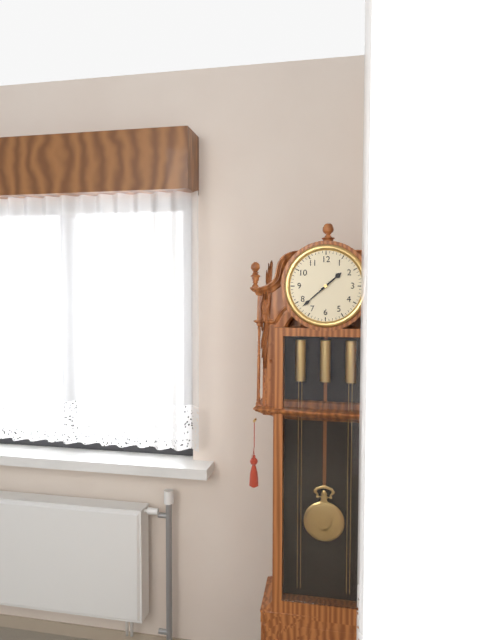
h=1 m=38
